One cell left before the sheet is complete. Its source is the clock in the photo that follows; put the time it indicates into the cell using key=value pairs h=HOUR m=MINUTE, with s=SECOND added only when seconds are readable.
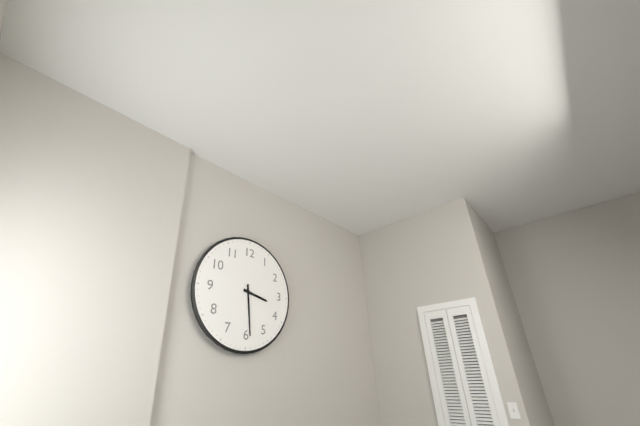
h=3 m=29
